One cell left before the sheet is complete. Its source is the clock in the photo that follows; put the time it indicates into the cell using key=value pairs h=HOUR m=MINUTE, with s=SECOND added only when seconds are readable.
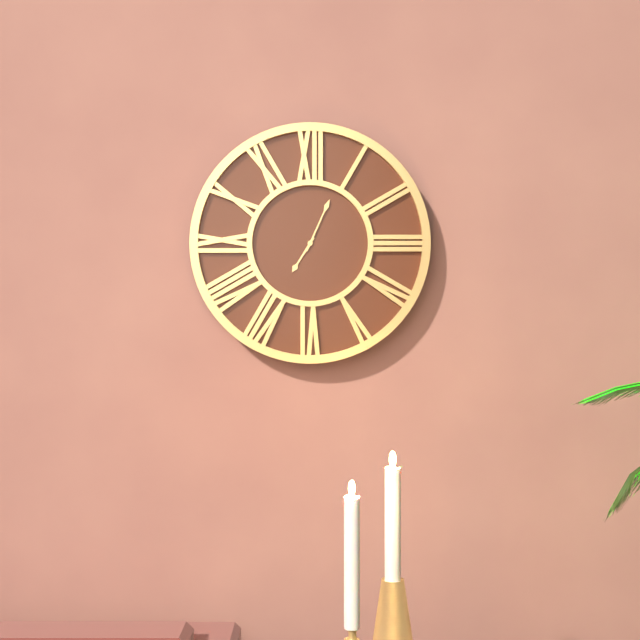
h=7 m=4
